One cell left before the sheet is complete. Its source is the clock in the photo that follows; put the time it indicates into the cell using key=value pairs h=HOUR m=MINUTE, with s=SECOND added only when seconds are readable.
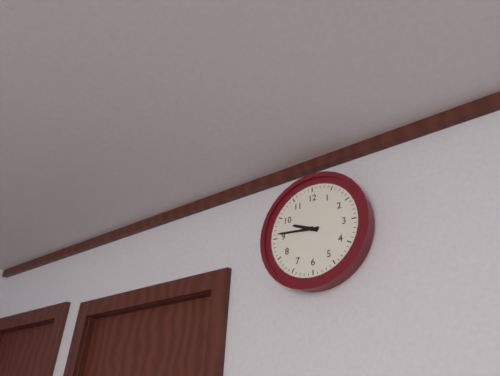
h=9 m=46
